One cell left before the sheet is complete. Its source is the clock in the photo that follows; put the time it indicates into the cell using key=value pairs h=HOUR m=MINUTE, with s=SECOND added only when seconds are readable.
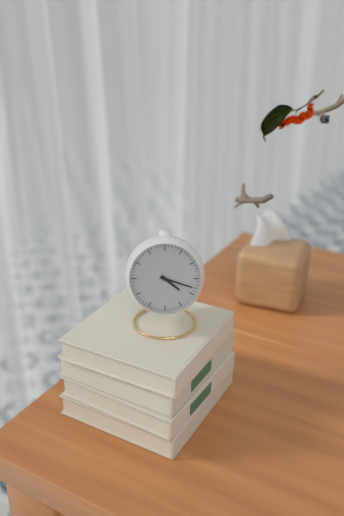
h=4 m=18
